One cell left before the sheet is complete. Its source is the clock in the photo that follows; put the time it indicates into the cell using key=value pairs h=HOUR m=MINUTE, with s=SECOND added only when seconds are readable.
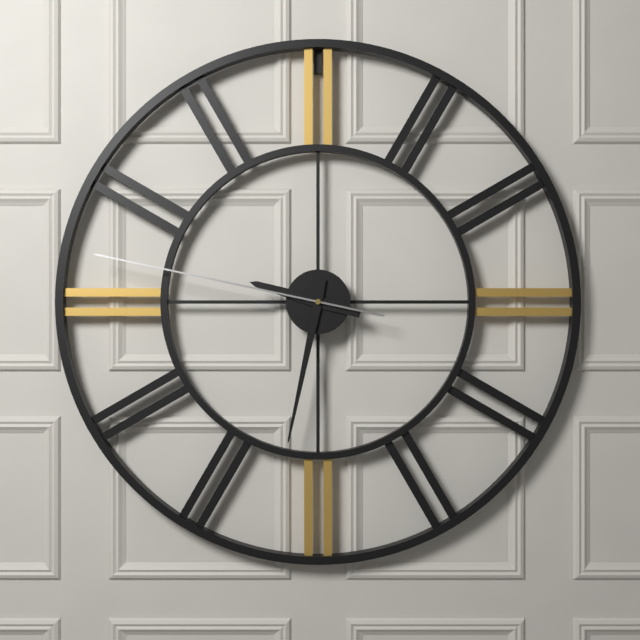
h=9 m=32 s=47
